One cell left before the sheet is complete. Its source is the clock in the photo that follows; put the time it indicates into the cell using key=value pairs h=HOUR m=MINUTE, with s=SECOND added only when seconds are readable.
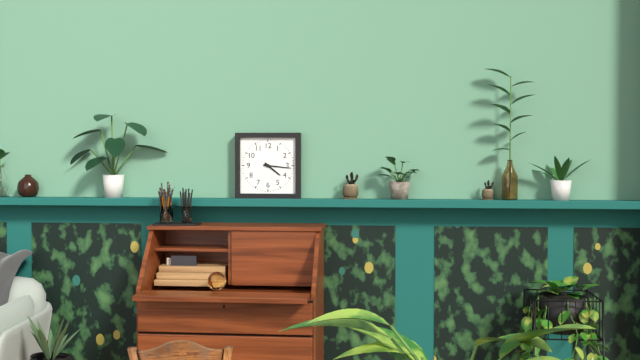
h=4 m=16
